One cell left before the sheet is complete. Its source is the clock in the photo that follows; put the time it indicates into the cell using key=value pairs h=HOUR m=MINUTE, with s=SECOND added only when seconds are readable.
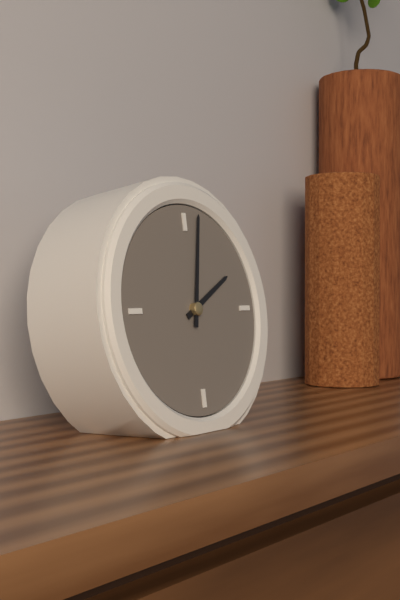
h=2 m=2
